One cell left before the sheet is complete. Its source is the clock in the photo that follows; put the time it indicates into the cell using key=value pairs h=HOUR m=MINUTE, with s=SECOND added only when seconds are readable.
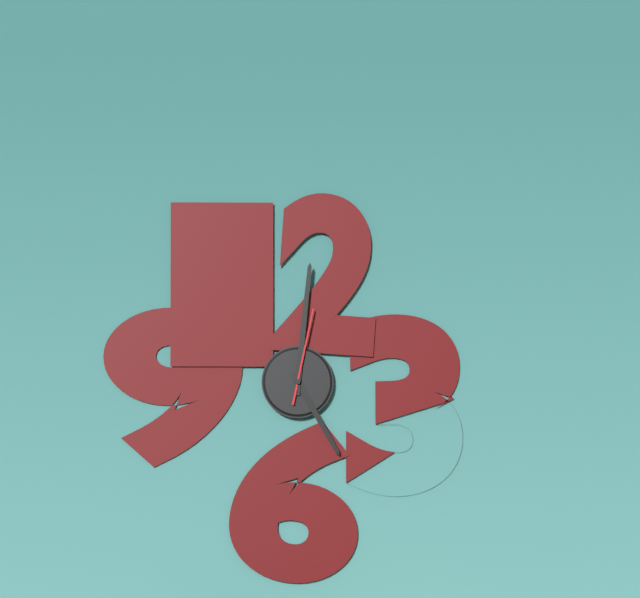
h=5 m=1 s=2
